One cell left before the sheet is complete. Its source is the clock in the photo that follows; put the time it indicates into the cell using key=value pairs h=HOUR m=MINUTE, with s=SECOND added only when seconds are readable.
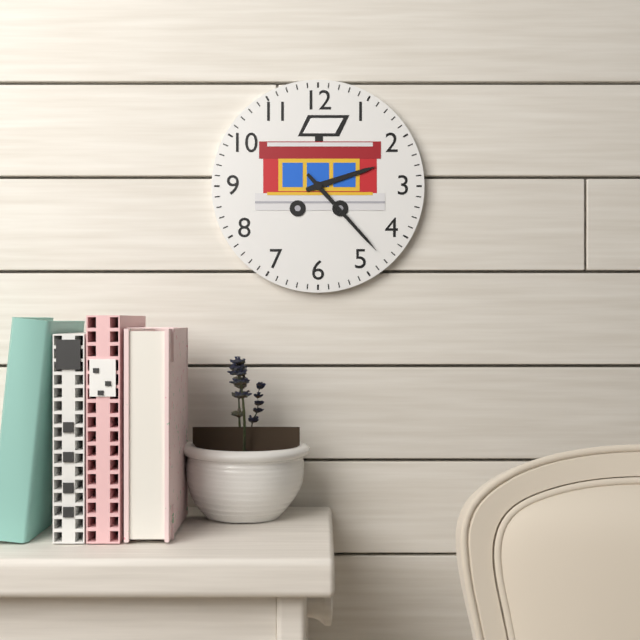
h=2 m=23
